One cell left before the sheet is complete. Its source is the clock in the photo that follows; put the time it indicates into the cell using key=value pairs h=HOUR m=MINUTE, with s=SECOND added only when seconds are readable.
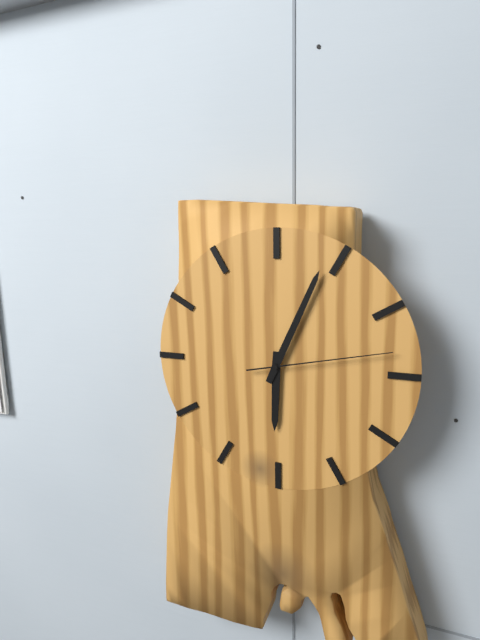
h=6 m=4 s=13
